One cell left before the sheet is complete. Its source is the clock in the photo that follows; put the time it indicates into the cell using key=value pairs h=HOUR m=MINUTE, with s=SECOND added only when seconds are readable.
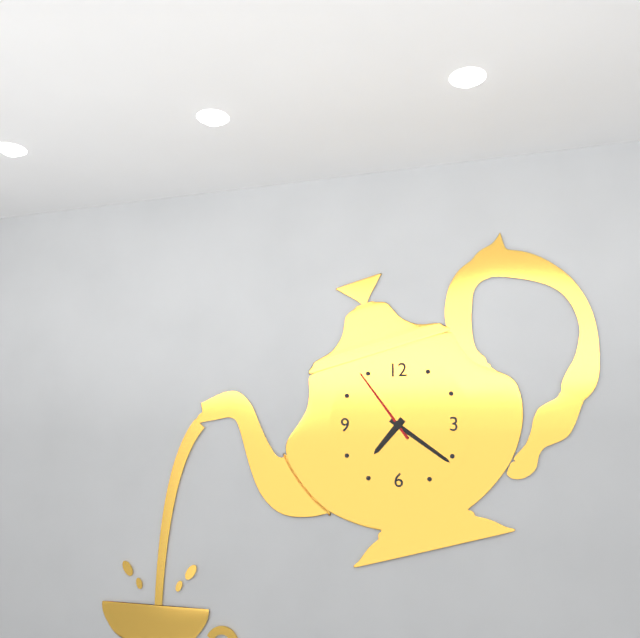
h=7 m=21 s=54
